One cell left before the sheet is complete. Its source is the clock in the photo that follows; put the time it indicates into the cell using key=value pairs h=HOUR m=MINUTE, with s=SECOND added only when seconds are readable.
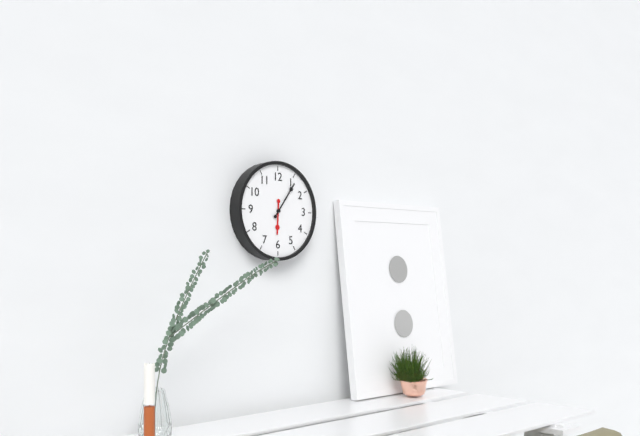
h=6 m=6
